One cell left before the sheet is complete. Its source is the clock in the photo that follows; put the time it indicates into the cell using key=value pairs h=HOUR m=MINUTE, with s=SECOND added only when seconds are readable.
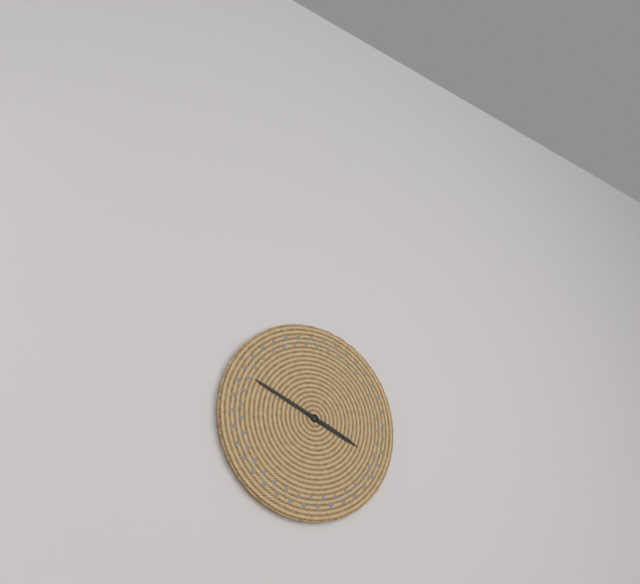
h=3 m=49
